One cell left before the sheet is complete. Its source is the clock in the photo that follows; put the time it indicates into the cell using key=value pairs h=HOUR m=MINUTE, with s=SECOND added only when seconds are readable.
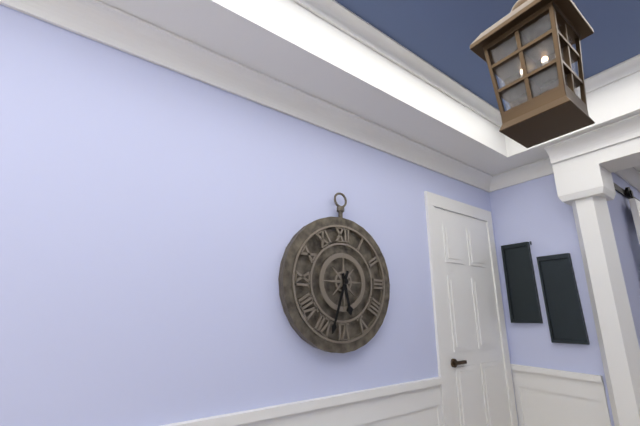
h=5 m=33
